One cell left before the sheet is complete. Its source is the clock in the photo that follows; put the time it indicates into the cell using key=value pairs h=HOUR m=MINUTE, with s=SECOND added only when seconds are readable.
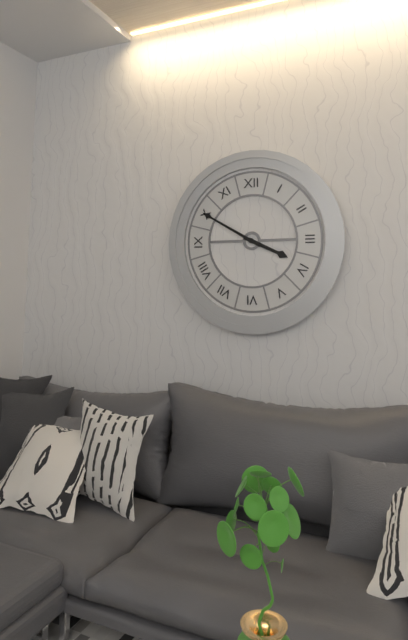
h=3 m=50
